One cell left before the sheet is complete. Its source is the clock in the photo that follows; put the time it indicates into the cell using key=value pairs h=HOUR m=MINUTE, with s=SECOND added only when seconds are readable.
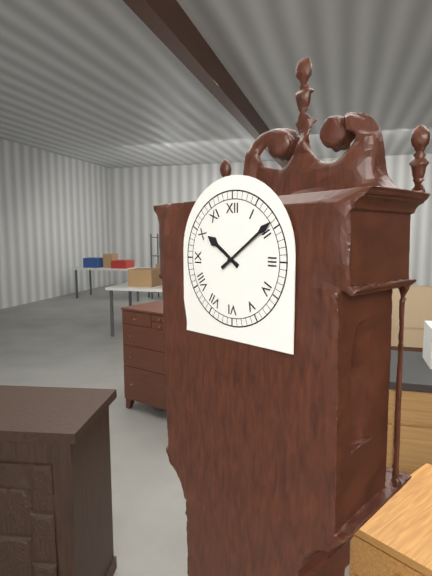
h=10 m=9
